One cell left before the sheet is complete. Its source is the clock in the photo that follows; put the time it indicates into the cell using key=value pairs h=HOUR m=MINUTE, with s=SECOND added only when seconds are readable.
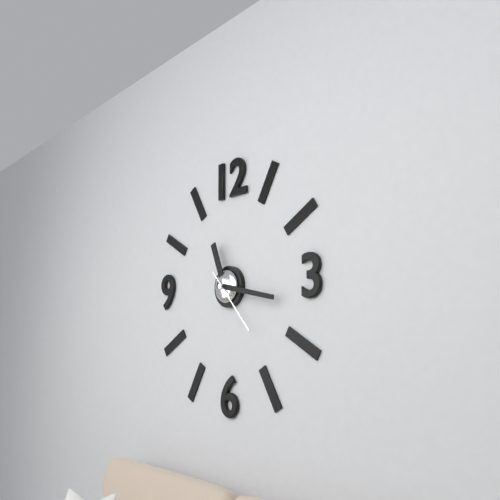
h=11 m=17 s=23
